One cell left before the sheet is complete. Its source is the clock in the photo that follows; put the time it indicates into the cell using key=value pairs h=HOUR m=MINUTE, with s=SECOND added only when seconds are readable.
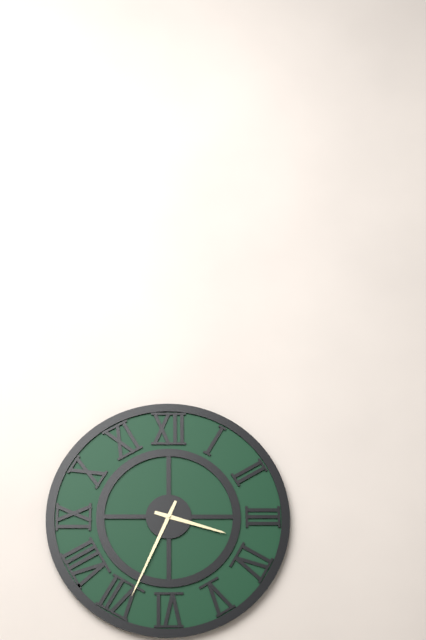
h=3 m=34
